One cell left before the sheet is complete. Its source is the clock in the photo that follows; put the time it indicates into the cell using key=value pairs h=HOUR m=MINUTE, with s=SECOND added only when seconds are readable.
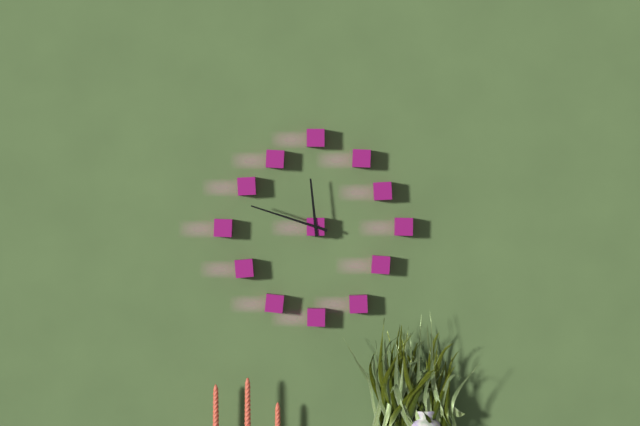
h=11 m=48
